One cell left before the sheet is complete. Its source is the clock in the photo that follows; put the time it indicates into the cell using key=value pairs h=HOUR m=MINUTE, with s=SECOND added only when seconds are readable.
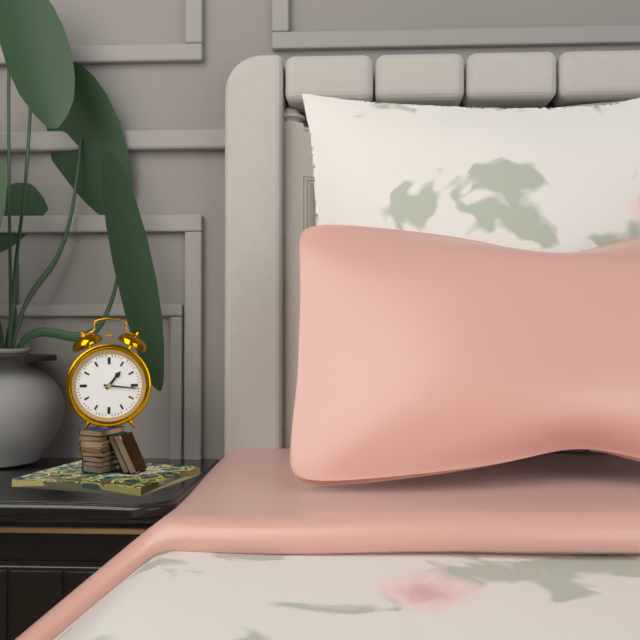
h=1 m=16
